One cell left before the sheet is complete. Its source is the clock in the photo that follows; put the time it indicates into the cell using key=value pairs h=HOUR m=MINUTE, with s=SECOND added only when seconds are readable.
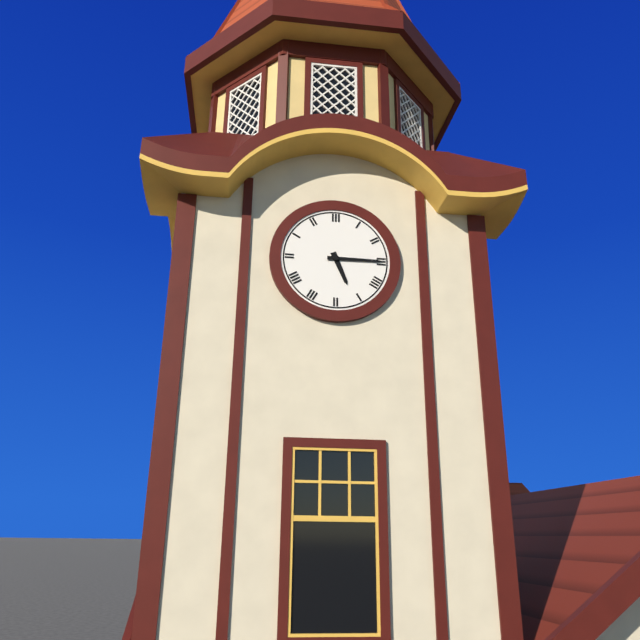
h=5 m=15
